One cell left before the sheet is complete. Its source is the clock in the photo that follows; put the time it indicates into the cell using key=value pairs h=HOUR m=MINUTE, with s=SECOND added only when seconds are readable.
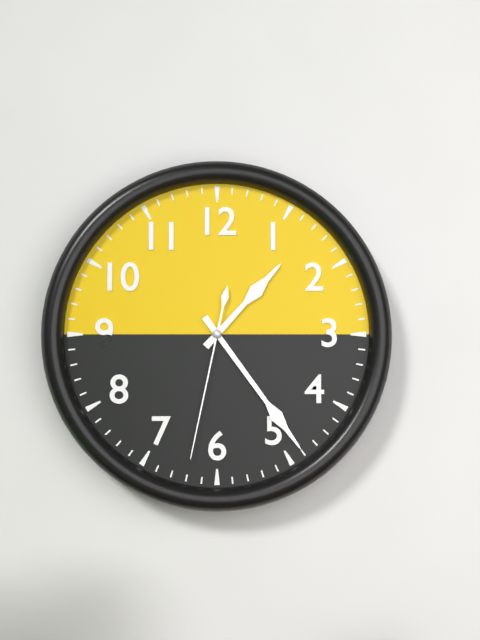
h=1 m=24 s=32
